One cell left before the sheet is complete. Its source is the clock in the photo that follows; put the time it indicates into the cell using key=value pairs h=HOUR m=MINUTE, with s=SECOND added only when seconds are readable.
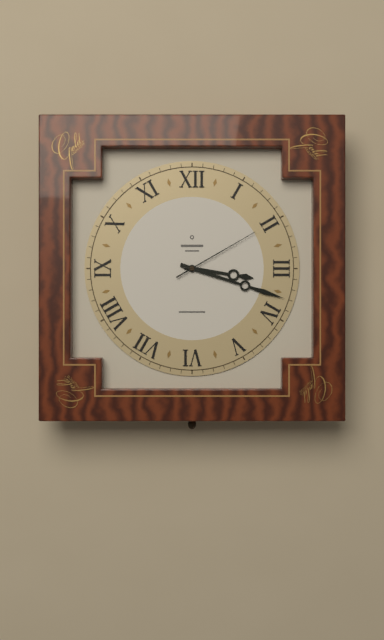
h=3 m=18 s=10
